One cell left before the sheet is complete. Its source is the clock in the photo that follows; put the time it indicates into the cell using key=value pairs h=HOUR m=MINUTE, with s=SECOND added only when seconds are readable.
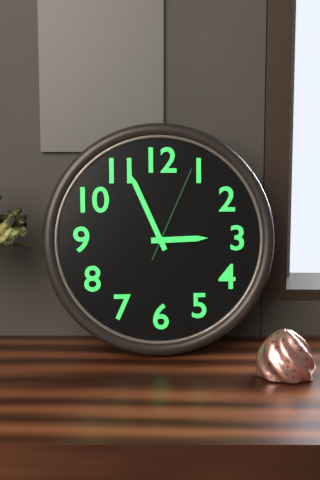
h=2 m=56 s=4
